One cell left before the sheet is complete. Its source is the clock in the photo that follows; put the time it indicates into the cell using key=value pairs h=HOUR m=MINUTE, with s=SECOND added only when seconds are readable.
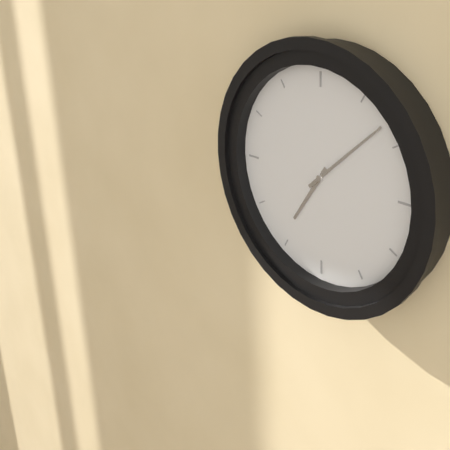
h=7 m=8
